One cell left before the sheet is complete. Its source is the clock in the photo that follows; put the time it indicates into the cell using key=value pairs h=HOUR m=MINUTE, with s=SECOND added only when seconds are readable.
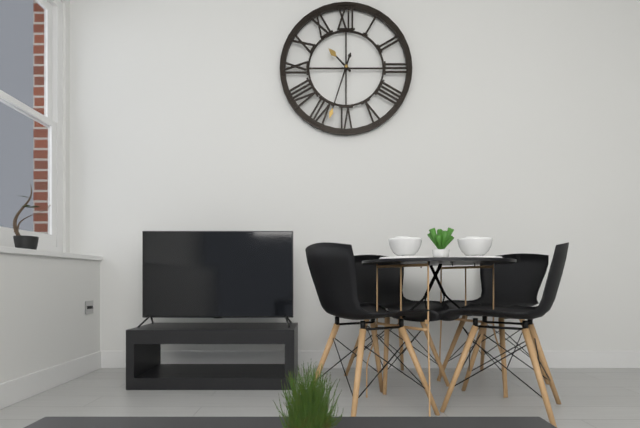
h=10 m=33
